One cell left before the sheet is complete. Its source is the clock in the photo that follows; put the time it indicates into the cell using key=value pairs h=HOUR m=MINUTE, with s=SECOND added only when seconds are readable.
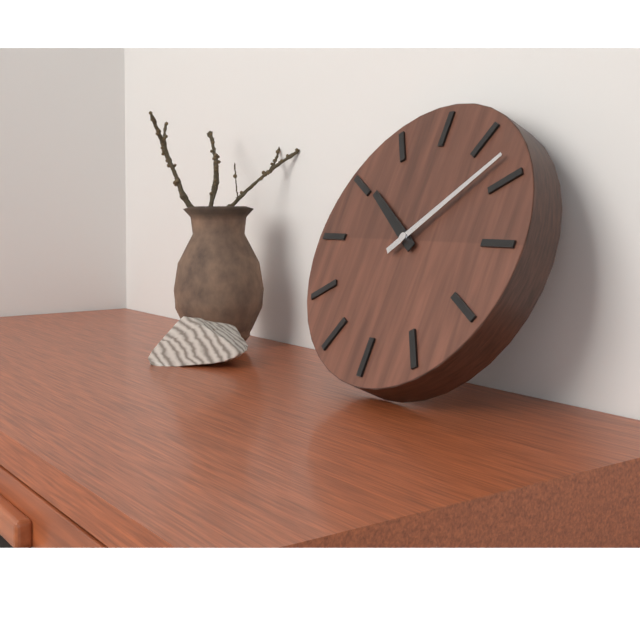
h=10 m=8
